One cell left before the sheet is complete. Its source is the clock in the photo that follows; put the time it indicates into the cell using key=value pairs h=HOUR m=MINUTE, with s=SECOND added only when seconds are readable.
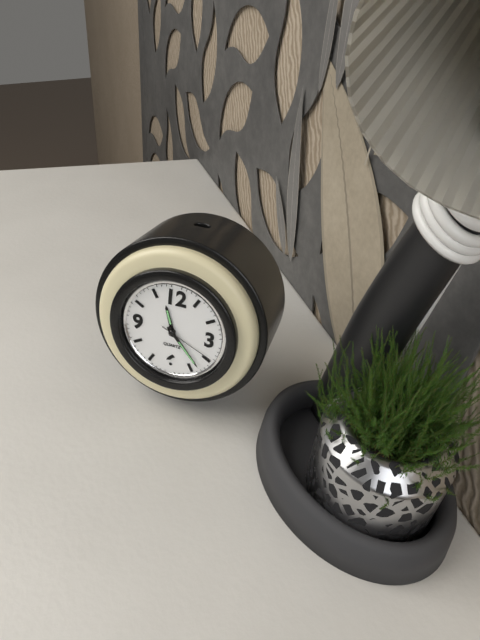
h=11 m=23 s=19
